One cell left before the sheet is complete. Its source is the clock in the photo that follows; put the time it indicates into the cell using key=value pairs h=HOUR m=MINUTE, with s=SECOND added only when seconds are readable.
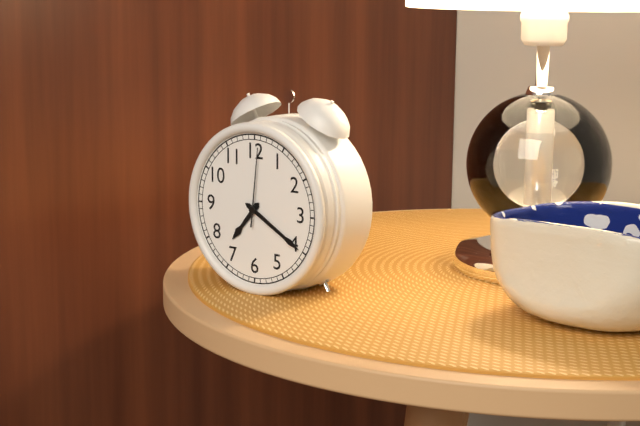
h=7 m=20 s=1
